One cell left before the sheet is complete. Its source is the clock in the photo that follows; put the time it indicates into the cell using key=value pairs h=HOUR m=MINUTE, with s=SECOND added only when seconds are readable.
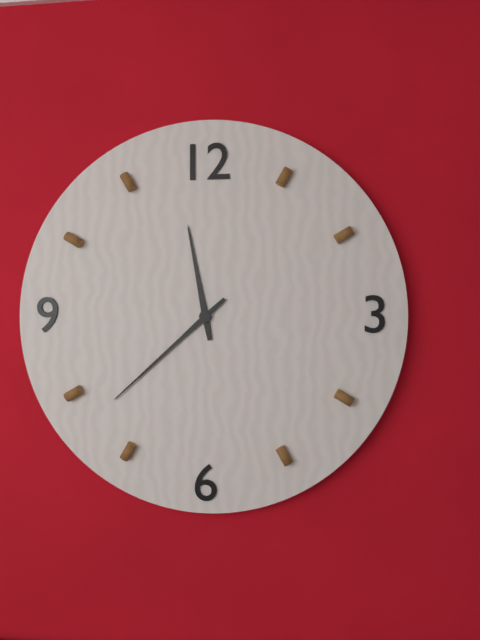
h=11 m=38
